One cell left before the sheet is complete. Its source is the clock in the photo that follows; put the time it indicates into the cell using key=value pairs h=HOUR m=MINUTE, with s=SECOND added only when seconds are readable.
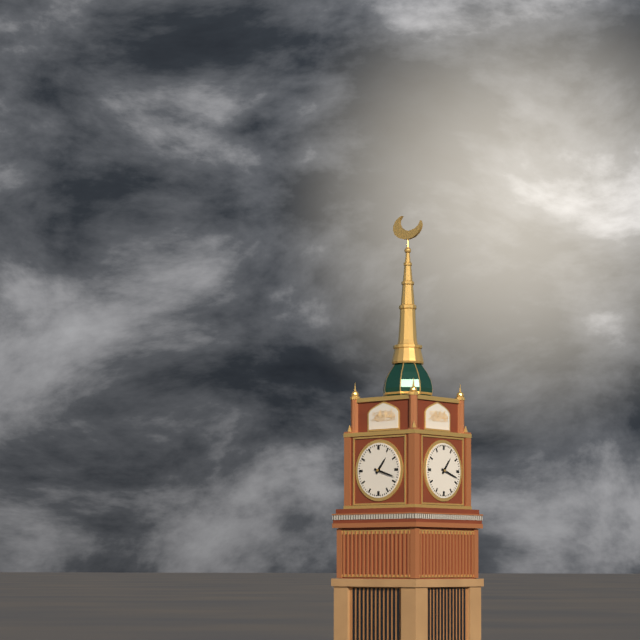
h=1 m=18
